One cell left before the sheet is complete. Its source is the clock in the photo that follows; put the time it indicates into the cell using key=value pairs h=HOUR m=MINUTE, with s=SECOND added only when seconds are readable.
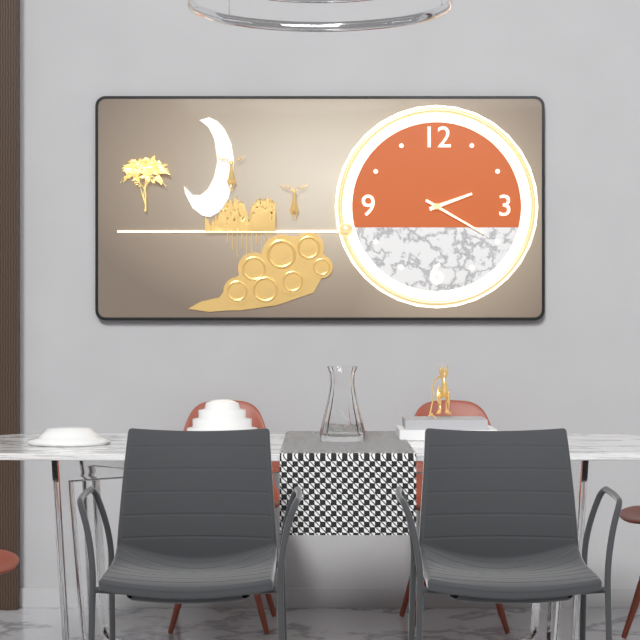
h=2 m=20
